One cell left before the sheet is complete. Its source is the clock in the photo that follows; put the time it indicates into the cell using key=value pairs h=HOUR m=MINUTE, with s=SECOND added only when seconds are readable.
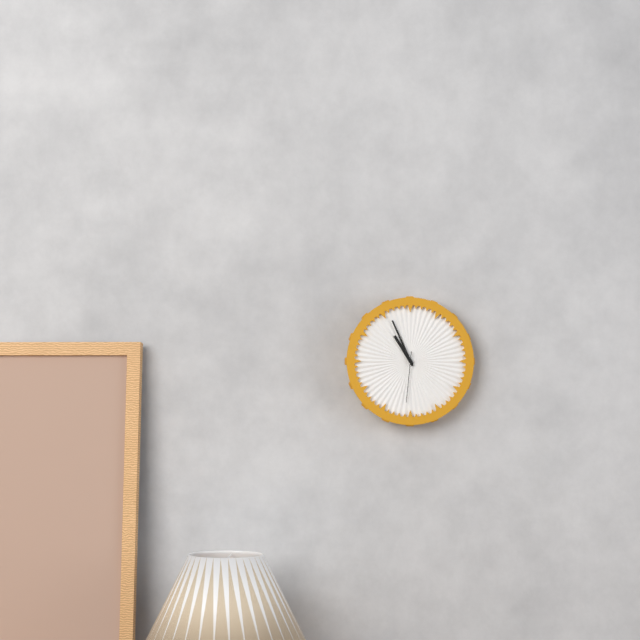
h=10 m=56 s=31
